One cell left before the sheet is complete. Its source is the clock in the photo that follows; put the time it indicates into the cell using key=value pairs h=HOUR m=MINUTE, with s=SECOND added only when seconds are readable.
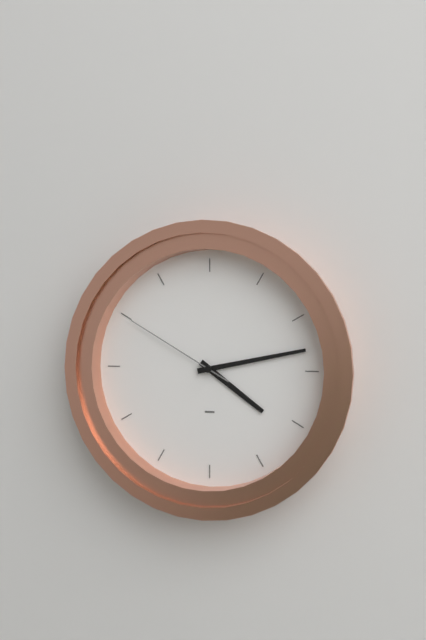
h=4 m=13 s=50
